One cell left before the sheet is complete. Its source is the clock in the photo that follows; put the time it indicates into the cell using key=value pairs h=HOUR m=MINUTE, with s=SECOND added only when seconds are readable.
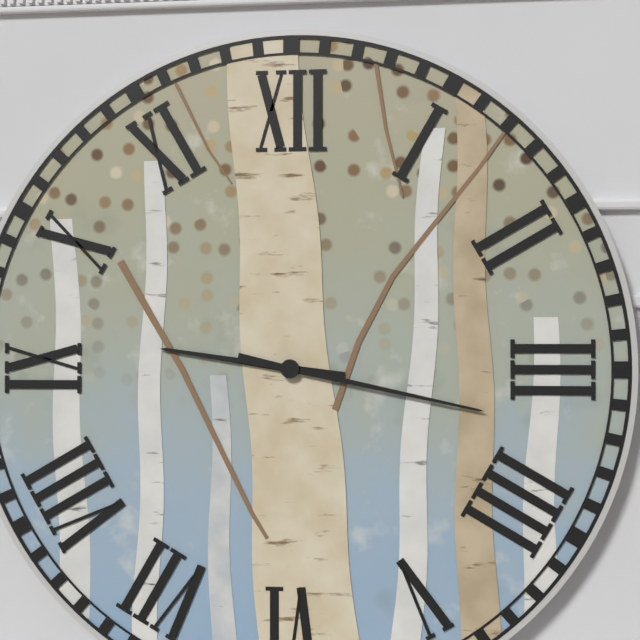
h=9 m=17
